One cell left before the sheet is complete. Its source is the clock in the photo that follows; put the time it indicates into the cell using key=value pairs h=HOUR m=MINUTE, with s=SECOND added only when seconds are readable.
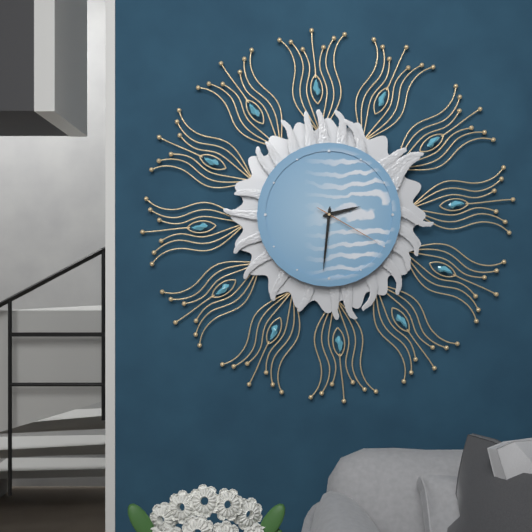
h=2 m=31 s=20
